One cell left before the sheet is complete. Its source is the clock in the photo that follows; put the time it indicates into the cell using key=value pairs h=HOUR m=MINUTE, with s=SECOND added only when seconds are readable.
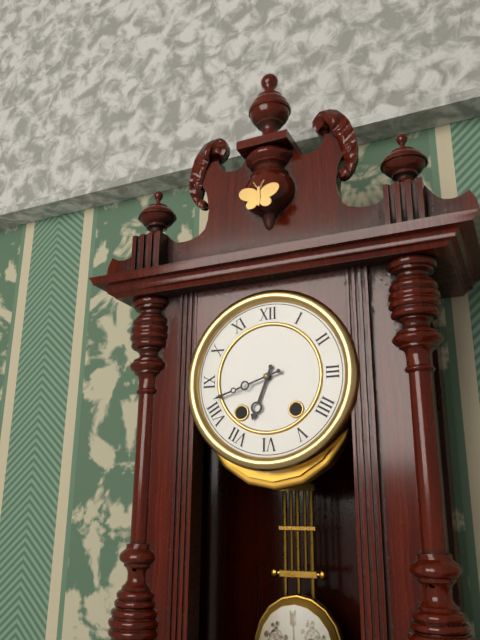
h=6 m=42
